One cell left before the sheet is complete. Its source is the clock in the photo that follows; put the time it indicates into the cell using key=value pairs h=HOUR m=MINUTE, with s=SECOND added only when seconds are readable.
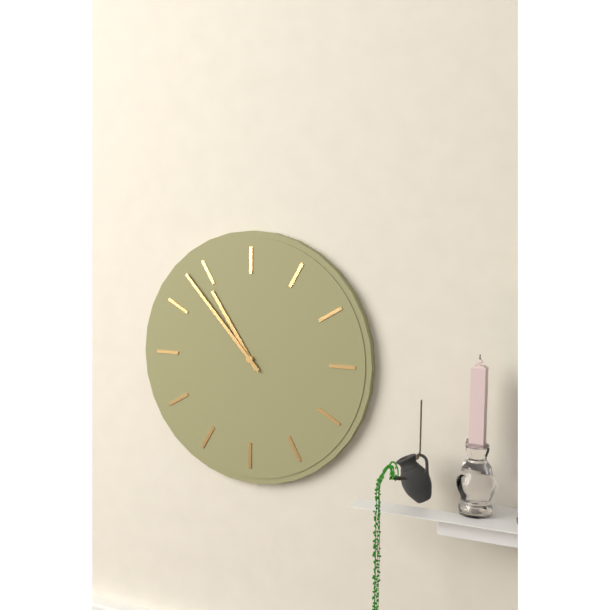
h=10 m=53
